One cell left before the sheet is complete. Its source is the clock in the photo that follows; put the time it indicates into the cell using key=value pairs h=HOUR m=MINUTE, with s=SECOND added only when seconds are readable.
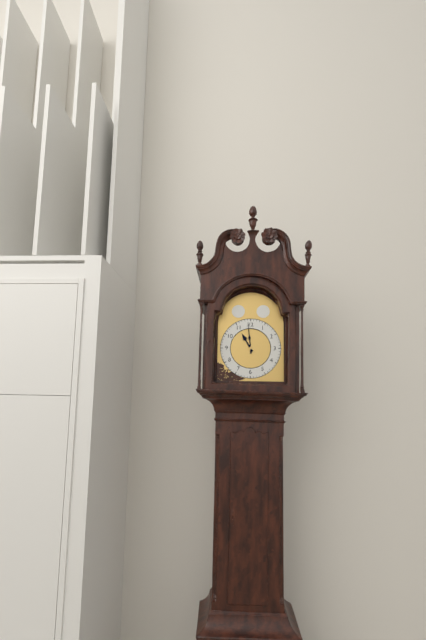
h=10 m=59
